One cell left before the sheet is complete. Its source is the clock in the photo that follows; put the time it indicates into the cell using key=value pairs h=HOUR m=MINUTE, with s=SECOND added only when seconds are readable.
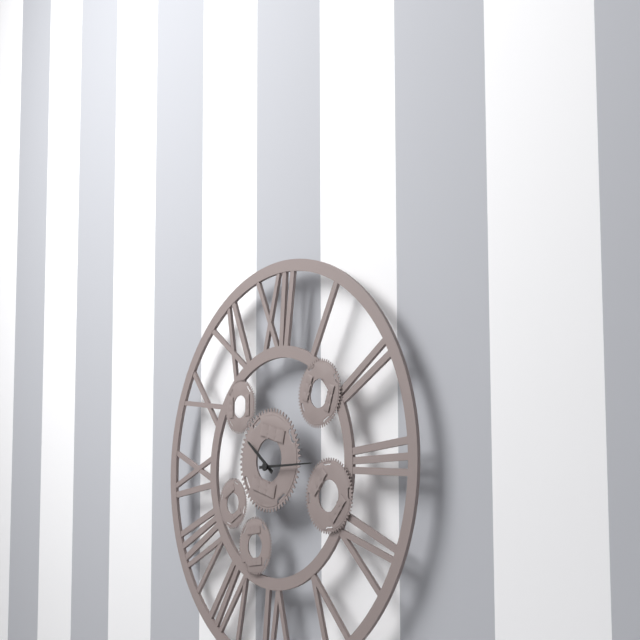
h=10 m=15
